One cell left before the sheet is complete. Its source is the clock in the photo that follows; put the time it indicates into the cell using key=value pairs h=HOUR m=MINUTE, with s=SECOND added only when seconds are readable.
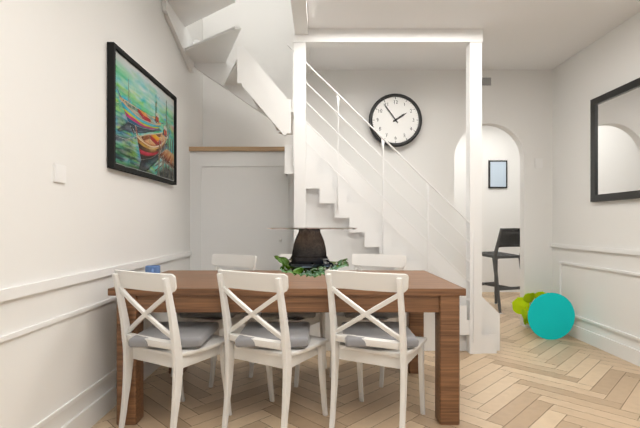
h=1 m=54
